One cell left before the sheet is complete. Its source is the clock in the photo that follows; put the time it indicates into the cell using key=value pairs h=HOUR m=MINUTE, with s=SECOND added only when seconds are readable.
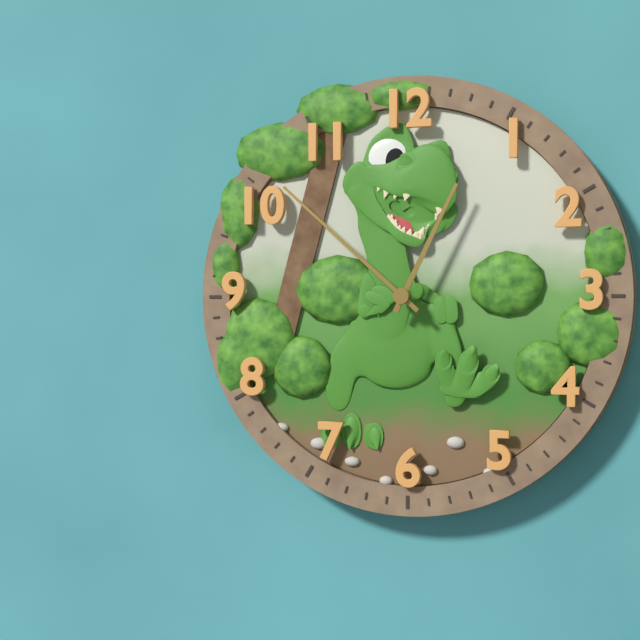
h=12 m=52
